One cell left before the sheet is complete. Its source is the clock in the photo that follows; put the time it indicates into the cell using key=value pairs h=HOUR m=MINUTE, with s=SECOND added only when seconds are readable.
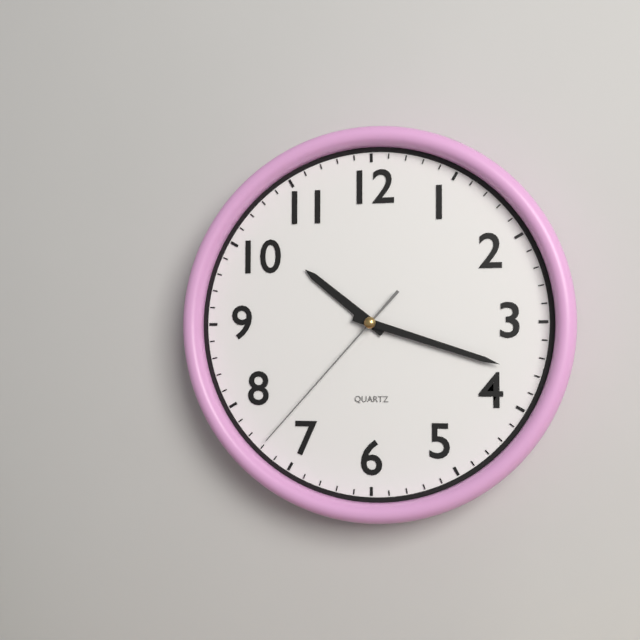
h=10 m=18 s=37
